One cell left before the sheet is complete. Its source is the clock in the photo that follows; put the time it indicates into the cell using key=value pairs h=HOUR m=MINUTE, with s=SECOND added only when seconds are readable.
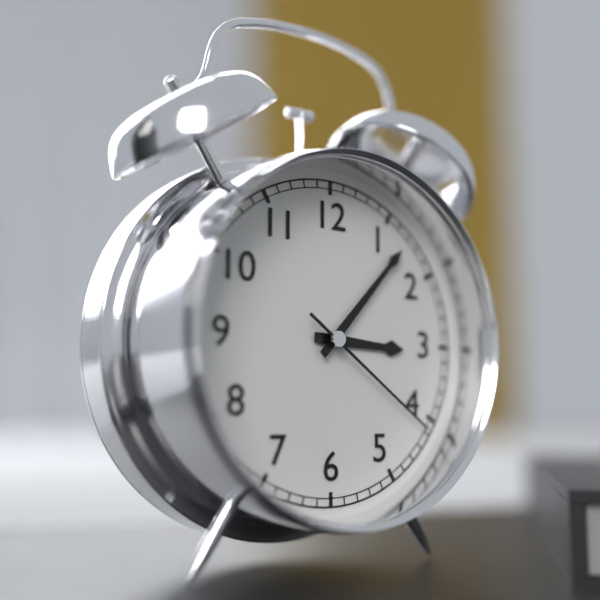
h=3 m=7 s=21
